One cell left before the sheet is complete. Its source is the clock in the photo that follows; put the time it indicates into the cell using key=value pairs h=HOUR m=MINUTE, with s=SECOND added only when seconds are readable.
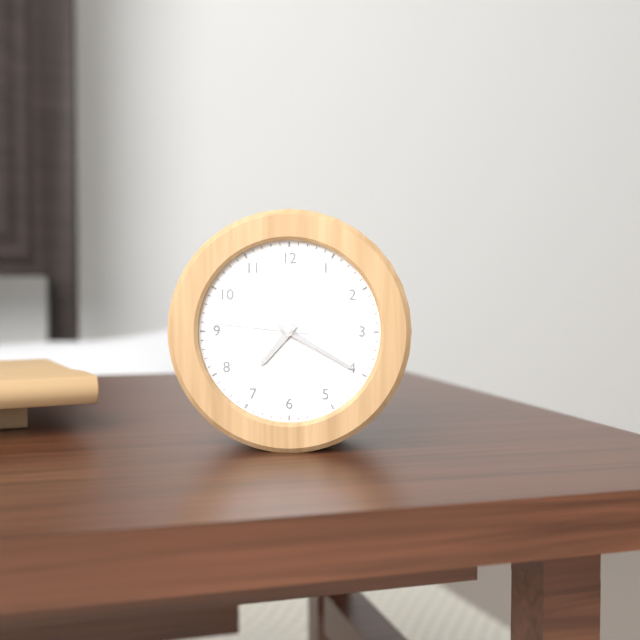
h=7 m=20 s=46
